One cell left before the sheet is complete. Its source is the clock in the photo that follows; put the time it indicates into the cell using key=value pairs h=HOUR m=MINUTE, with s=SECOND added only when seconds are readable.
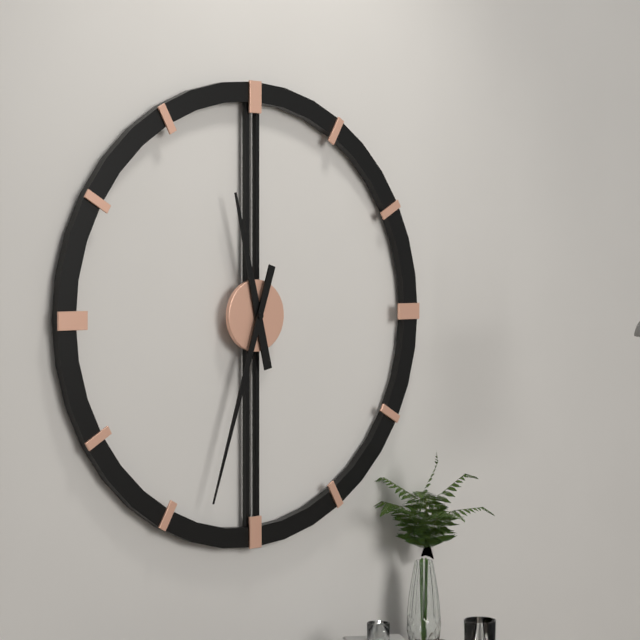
h=11 m=33
